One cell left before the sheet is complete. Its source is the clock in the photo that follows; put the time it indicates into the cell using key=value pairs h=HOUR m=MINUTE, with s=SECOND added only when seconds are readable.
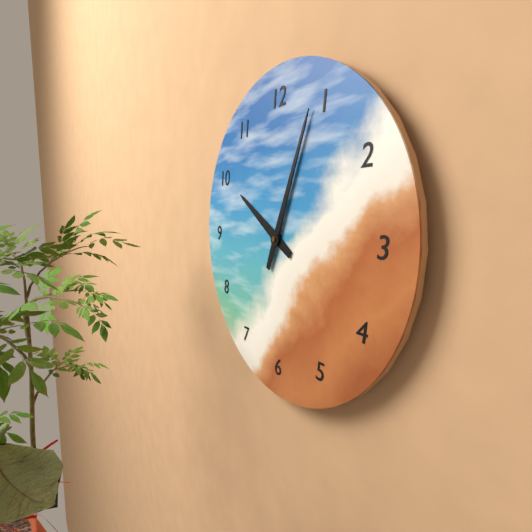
h=10 m=4
